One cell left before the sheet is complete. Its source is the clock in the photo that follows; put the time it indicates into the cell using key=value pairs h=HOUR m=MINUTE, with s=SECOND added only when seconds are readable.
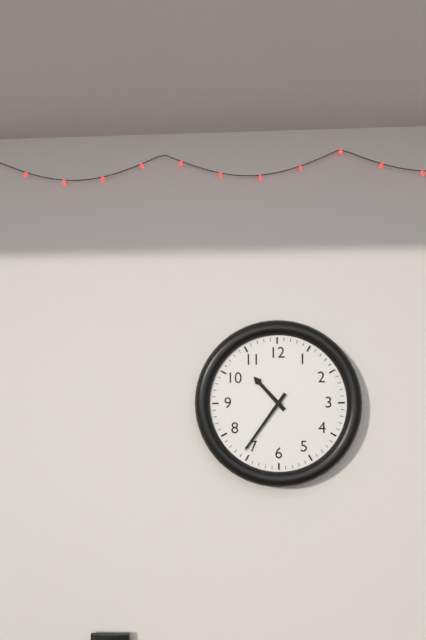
h=10 m=36
